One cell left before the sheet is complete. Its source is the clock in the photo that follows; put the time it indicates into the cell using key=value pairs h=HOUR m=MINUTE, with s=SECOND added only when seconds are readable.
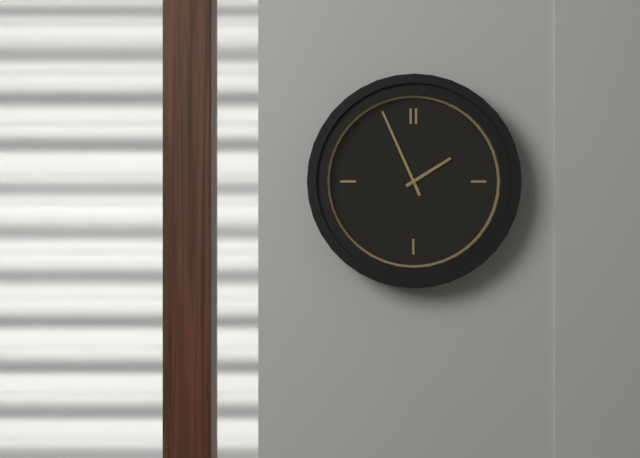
h=1 m=56
